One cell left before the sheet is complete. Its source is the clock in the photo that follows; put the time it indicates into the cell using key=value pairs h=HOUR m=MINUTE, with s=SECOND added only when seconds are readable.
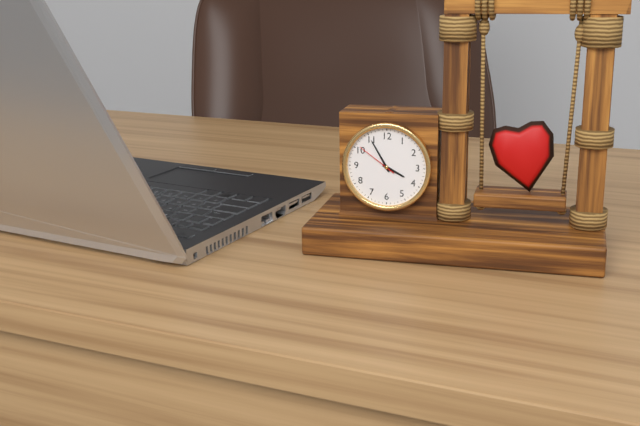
h=3 m=55
